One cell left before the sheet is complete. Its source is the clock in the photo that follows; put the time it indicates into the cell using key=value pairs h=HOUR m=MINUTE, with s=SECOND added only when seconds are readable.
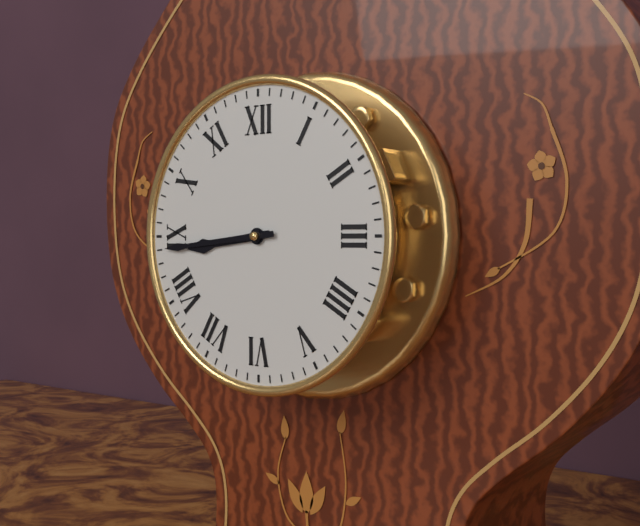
h=8 m=44
